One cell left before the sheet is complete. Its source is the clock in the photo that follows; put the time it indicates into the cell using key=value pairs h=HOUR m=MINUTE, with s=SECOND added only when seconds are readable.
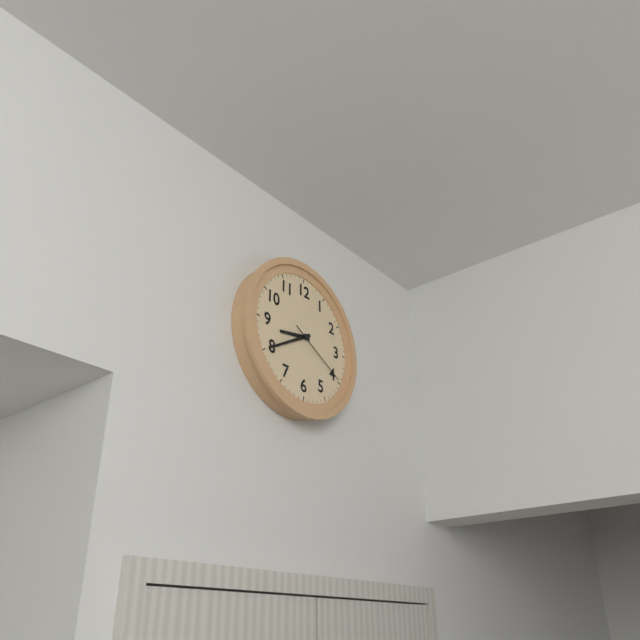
h=8 m=40 s=20
